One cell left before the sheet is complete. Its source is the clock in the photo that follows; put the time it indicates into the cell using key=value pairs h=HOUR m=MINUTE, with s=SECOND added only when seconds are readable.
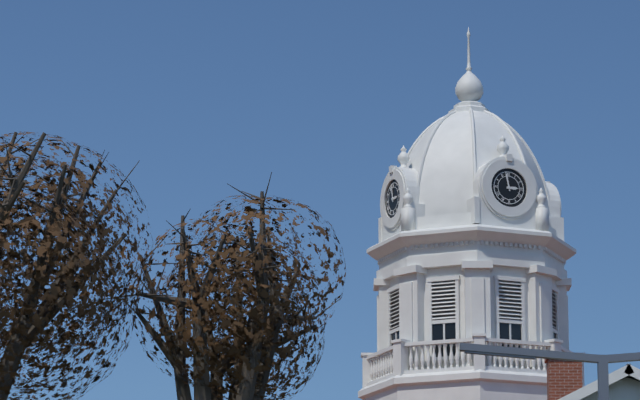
h=2 m=58
